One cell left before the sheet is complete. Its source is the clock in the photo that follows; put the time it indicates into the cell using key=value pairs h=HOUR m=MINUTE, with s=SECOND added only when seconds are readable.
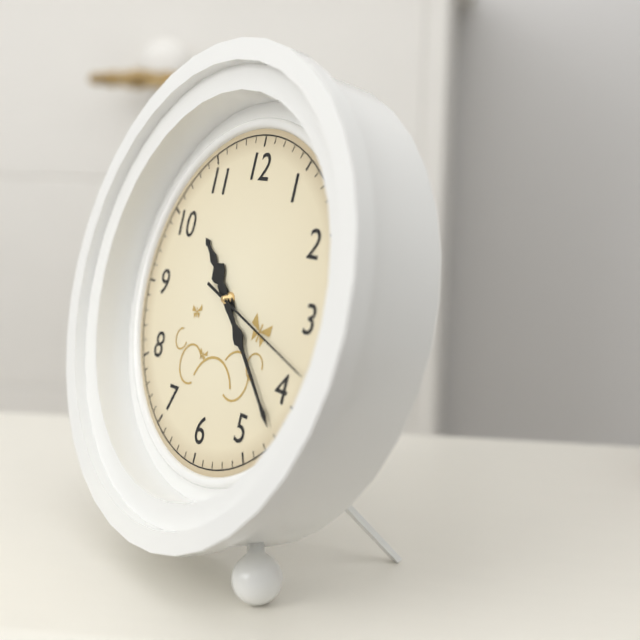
h=10 m=22 s=18
